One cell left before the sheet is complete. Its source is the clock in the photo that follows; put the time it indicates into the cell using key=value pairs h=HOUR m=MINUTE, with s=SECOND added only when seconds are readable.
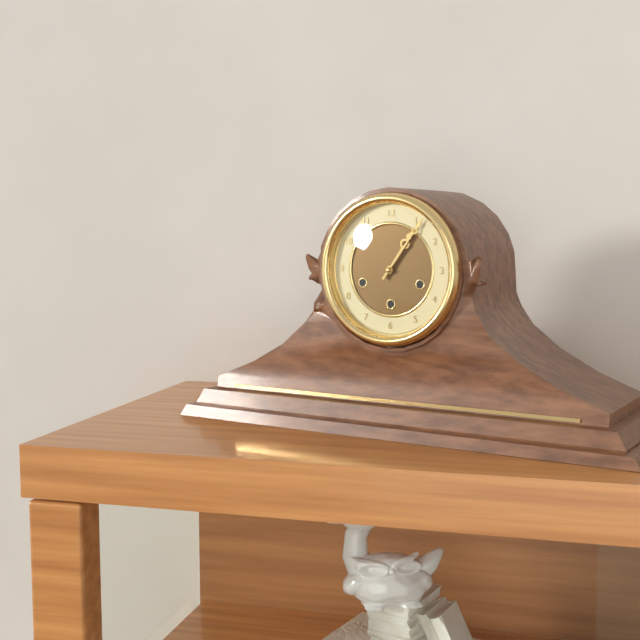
h=1 m=6
